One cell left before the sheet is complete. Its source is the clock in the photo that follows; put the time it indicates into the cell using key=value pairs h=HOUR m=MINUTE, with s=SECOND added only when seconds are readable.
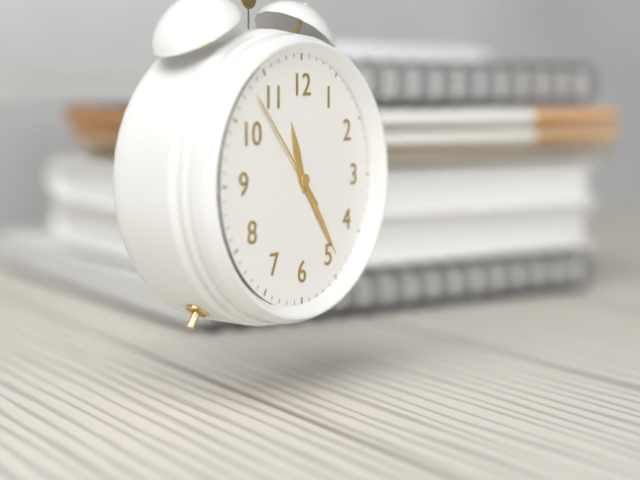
h=11 m=24 s=53
